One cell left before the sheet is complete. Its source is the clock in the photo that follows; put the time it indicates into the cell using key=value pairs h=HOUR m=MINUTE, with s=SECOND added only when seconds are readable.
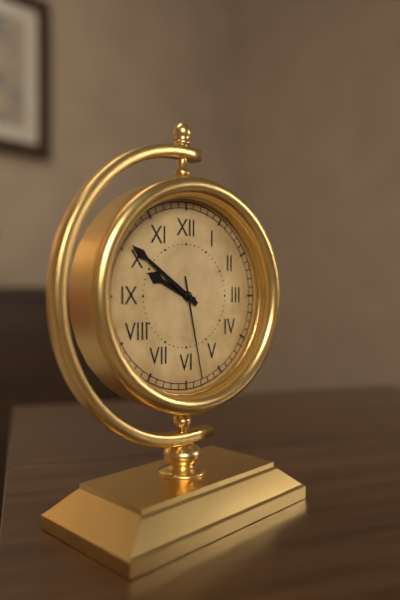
h=9 m=51 s=28
